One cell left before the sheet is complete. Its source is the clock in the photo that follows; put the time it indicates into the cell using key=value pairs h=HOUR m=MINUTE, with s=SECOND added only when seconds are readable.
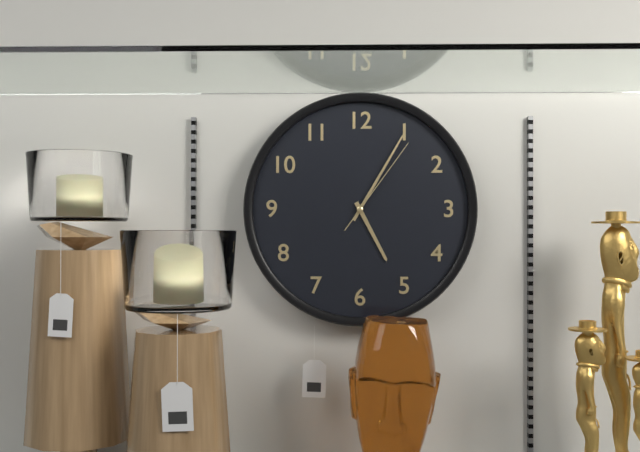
h=5 m=5 s=6
